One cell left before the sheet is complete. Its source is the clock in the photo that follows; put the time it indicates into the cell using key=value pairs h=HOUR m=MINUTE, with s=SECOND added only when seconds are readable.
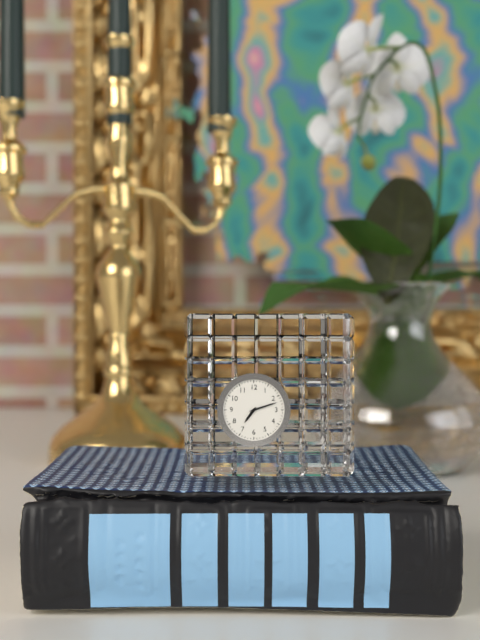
h=7 m=12
